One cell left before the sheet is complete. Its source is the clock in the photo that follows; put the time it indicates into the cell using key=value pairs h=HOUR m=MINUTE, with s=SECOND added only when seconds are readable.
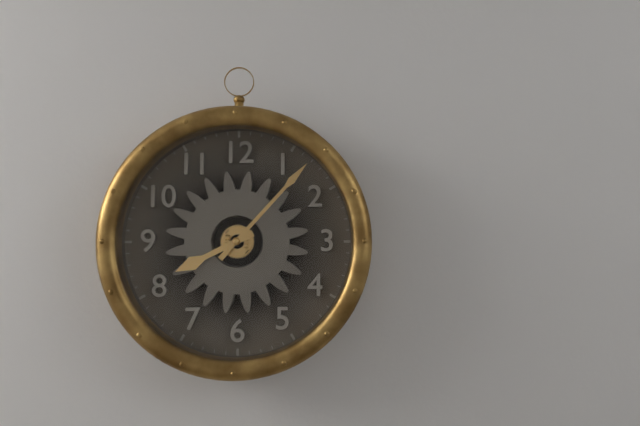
h=8 m=7
